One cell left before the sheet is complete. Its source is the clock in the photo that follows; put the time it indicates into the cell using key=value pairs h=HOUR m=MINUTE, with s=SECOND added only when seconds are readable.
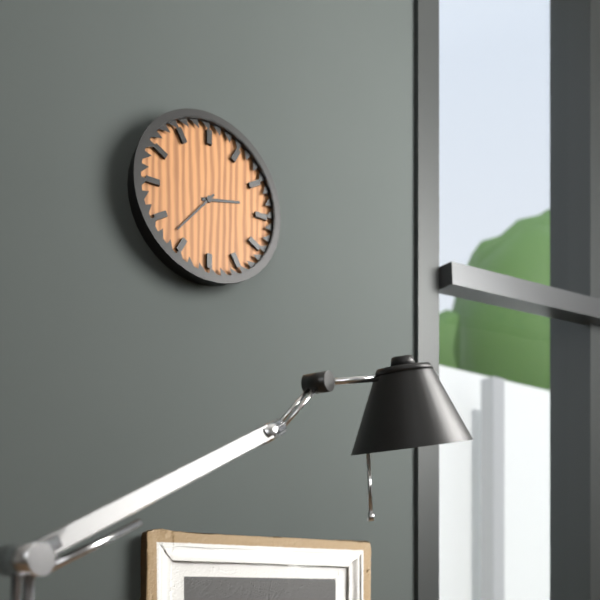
h=2 m=37
